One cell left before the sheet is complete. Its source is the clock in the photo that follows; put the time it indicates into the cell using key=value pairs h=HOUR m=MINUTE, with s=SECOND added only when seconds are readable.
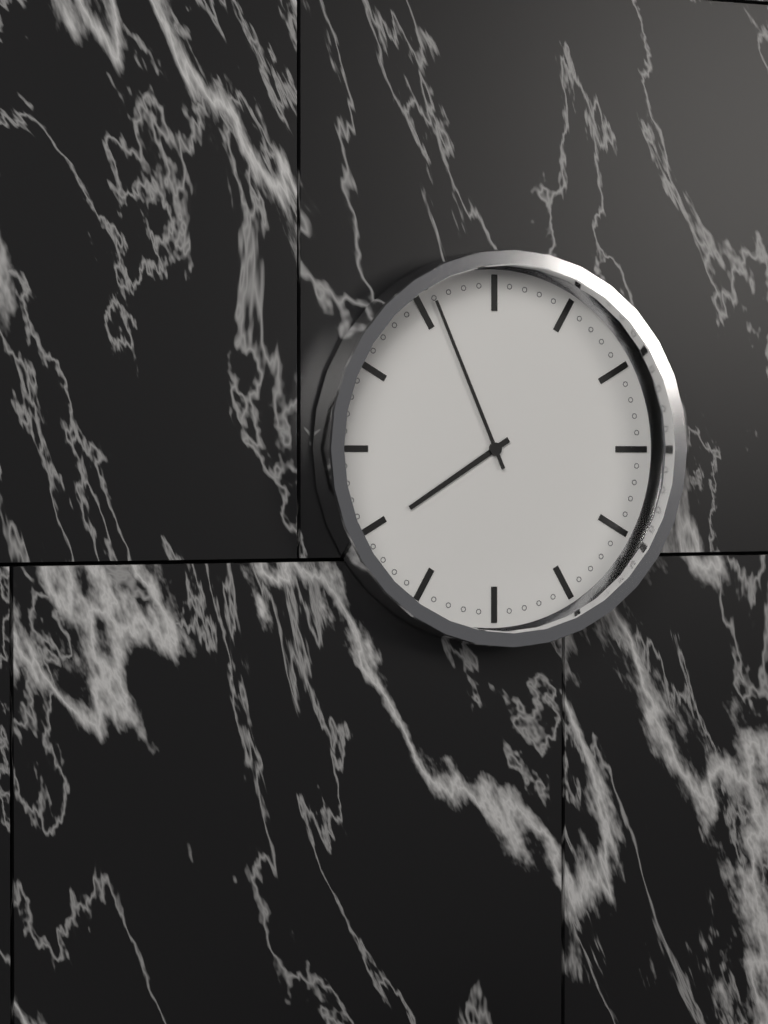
h=7 m=56
